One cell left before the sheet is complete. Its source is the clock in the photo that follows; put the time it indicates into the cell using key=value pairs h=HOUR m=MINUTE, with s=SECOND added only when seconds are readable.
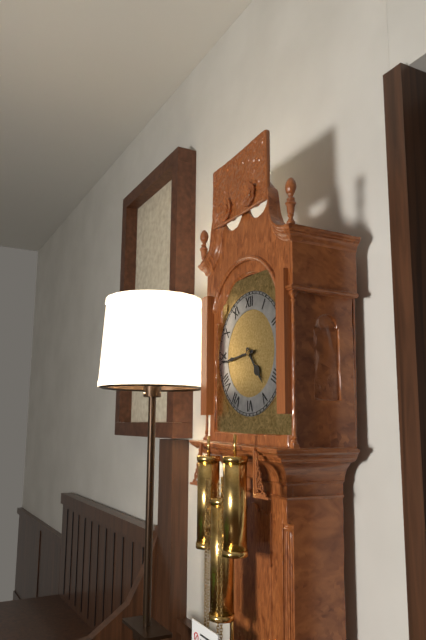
h=4 m=44
